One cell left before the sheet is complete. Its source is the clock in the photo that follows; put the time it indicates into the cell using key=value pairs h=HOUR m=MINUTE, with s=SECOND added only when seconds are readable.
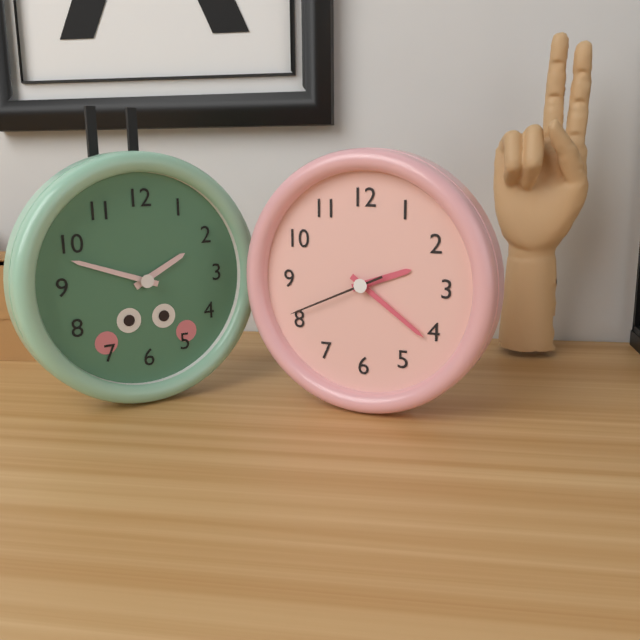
h=2 m=21 s=41
